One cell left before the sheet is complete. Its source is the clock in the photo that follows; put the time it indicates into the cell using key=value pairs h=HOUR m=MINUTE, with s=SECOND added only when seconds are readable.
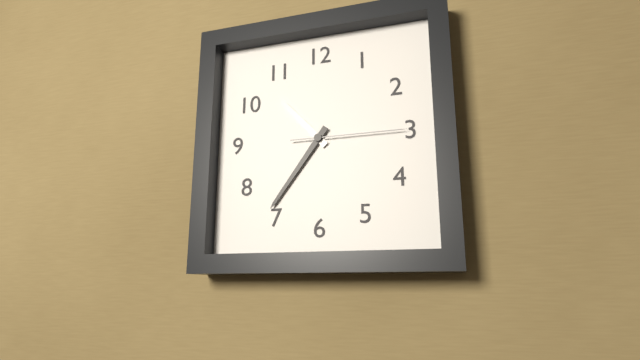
h=10 m=36 s=15
